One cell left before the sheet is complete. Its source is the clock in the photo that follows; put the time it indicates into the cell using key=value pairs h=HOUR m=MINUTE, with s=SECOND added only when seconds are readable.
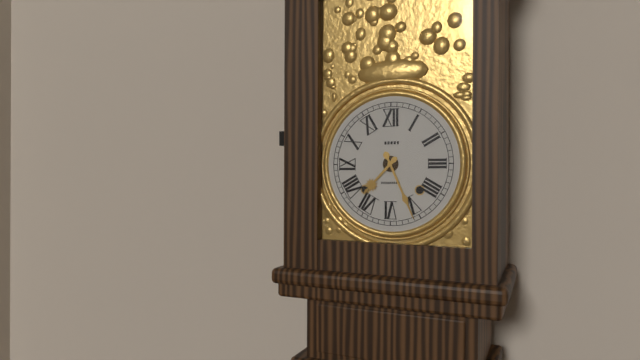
h=7 m=26
